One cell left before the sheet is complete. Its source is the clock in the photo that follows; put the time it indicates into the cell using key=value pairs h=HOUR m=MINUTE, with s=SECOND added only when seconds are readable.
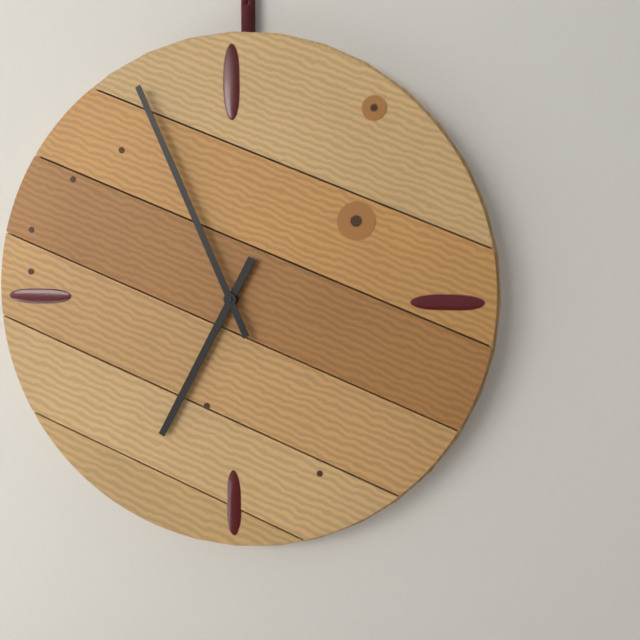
h=6 m=56
